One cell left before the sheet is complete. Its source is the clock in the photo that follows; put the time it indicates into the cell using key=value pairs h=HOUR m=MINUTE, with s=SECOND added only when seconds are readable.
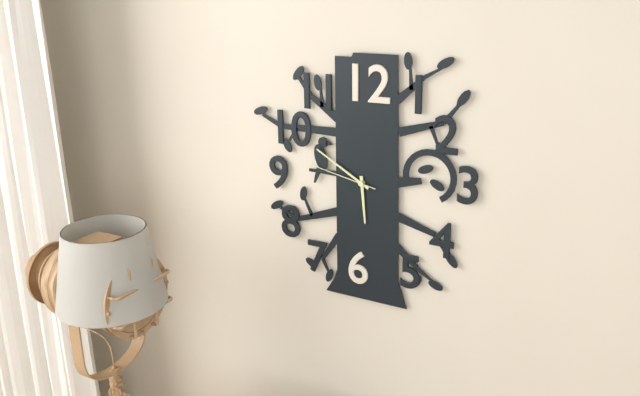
h=5 m=50 s=47
